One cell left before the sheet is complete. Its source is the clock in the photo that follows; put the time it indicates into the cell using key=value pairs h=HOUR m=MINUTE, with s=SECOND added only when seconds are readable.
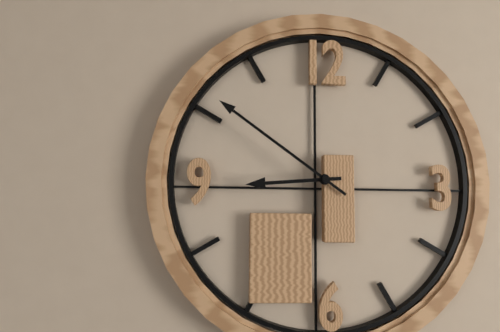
h=8 m=51
